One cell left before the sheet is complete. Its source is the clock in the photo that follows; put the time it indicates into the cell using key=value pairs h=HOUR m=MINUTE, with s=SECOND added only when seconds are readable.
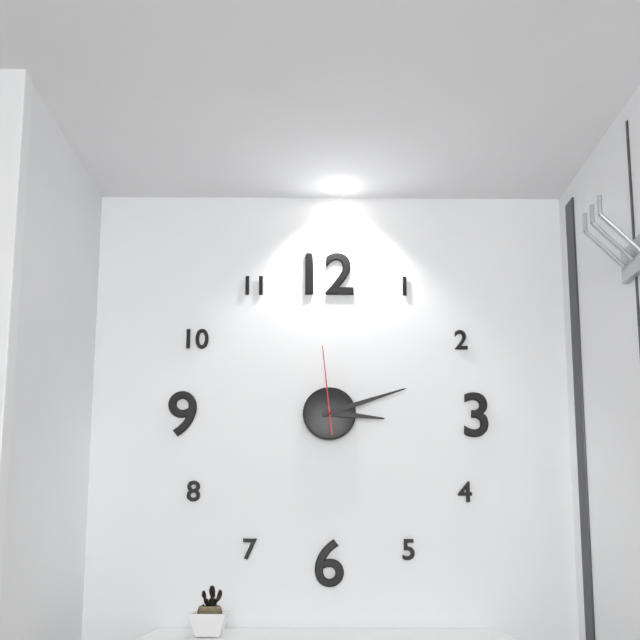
h=3 m=12 s=59
